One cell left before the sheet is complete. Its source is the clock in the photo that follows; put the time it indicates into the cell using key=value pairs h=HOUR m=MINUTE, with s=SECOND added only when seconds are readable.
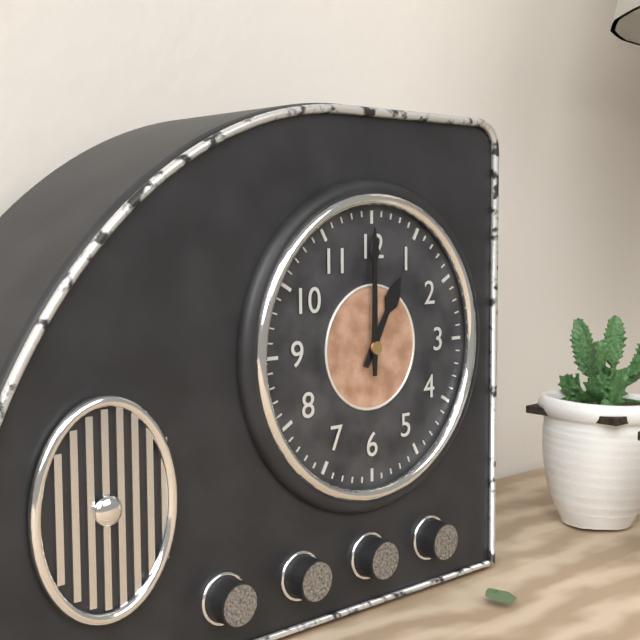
h=1 m=0
